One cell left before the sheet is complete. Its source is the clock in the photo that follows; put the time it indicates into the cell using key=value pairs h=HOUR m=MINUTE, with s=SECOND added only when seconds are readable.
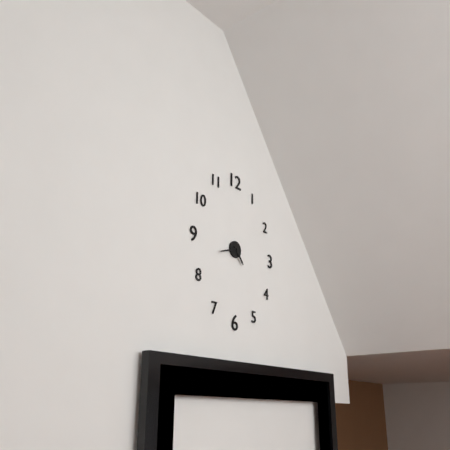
h=4 m=42
